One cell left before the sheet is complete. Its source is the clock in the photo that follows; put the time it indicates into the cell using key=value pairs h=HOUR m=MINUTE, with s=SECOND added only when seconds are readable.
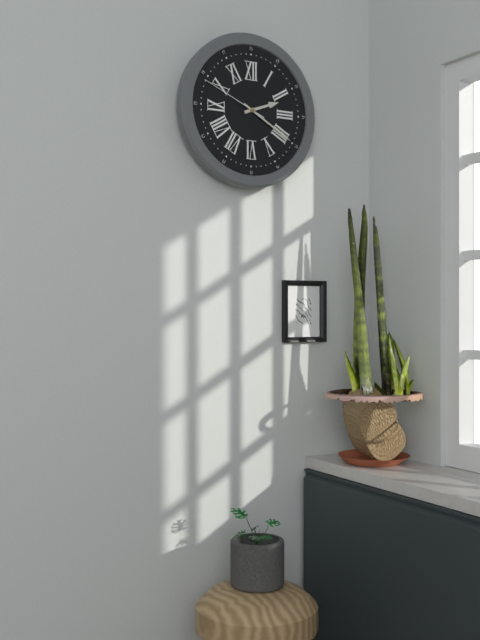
h=2 m=20 s=49
